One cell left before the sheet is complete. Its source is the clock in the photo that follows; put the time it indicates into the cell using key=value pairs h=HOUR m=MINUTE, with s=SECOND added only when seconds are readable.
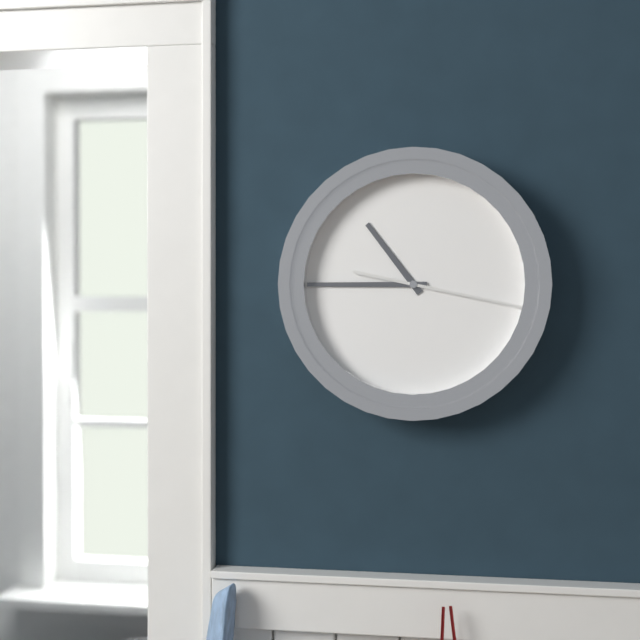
h=10 m=45 s=17
